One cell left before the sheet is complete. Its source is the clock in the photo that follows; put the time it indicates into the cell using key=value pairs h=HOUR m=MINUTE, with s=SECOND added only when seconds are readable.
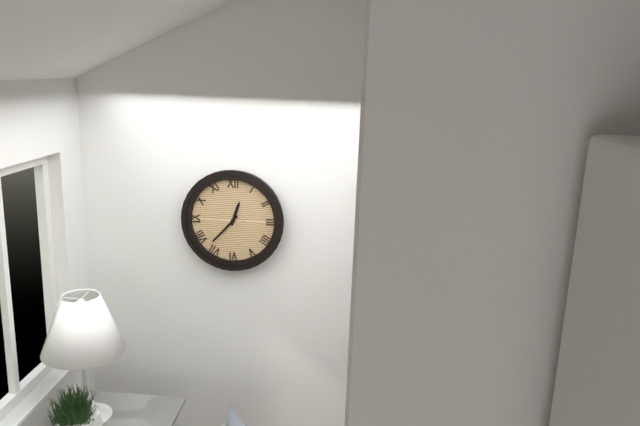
h=12 m=37
